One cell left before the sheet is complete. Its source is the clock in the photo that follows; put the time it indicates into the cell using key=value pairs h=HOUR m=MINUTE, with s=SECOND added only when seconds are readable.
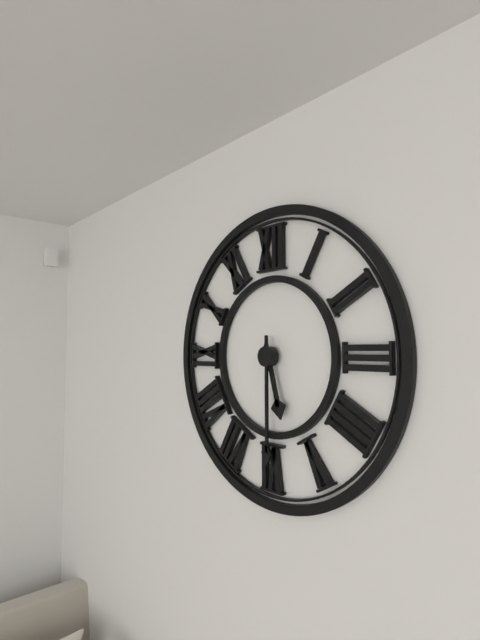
h=5 m=30
